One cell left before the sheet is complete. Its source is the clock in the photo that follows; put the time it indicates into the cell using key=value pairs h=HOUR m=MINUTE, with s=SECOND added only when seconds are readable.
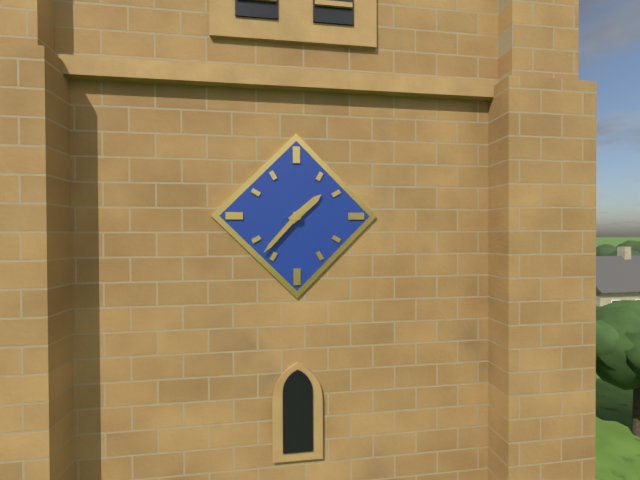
h=1 m=37
